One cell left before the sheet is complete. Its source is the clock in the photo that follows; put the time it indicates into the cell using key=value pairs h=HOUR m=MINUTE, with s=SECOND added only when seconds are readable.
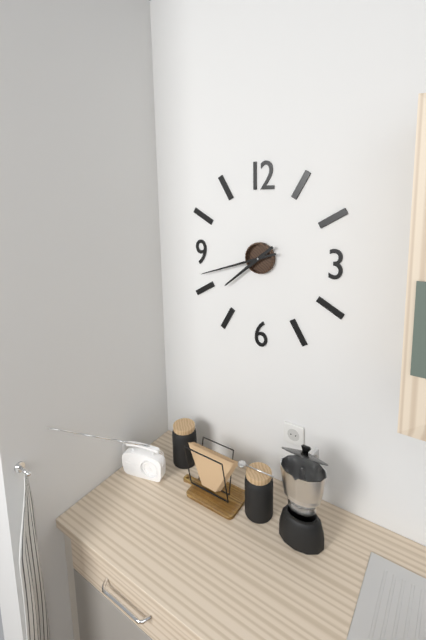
h=7 m=42
